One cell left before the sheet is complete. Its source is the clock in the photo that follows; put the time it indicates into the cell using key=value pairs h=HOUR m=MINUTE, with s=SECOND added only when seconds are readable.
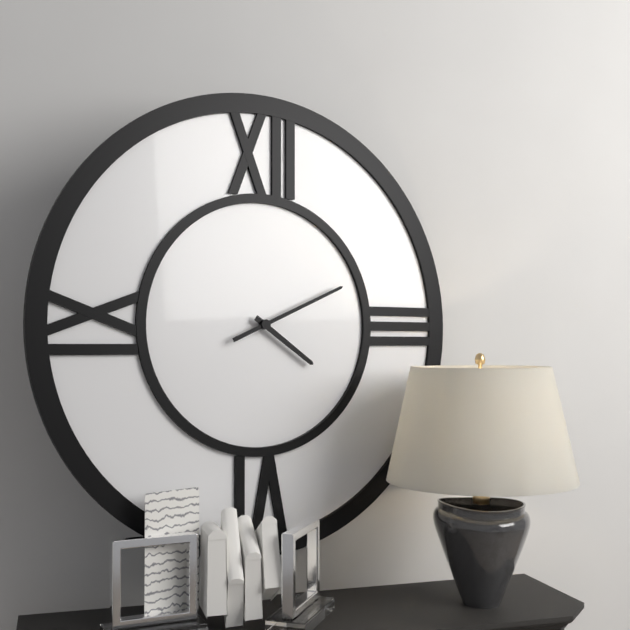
h=4 m=11
